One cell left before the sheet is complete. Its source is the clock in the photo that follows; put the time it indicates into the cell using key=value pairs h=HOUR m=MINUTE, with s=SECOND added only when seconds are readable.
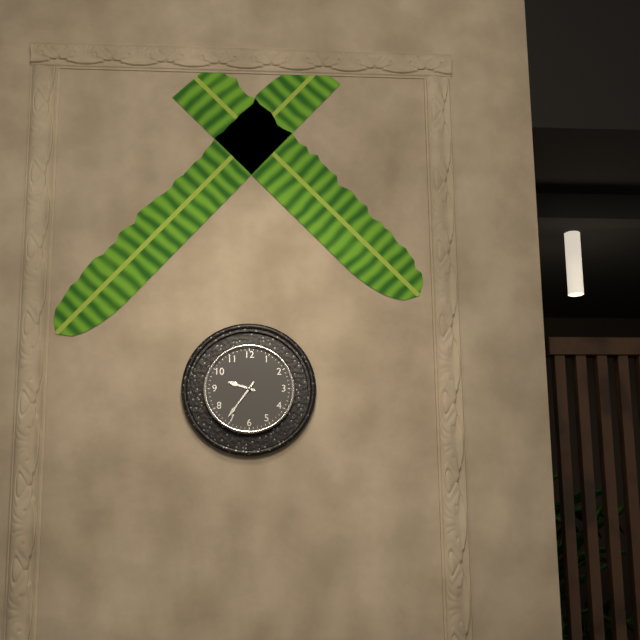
h=9 m=36
